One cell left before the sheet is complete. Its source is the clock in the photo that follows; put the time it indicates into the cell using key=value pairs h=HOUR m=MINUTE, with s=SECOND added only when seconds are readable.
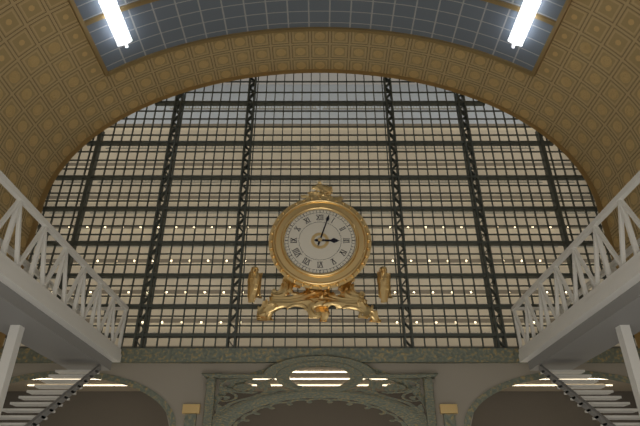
h=3 m=3
